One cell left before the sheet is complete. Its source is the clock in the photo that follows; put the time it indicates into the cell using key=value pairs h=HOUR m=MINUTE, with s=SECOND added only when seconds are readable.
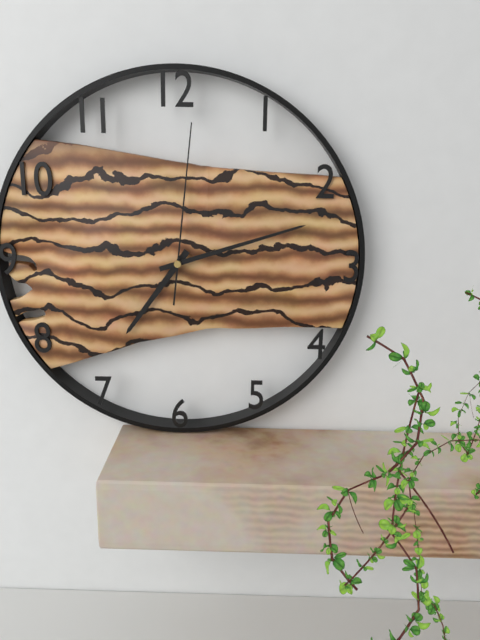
h=7 m=12 s=1
